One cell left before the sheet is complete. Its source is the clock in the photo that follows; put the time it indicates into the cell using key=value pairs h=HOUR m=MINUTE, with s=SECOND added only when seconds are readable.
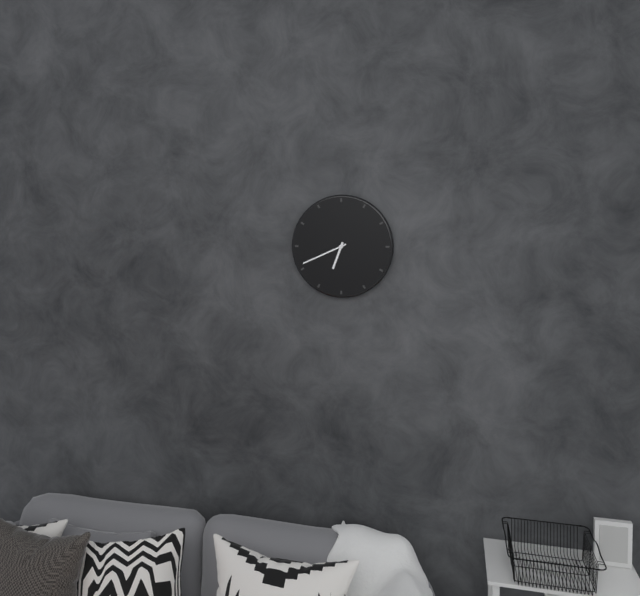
h=6 m=41
